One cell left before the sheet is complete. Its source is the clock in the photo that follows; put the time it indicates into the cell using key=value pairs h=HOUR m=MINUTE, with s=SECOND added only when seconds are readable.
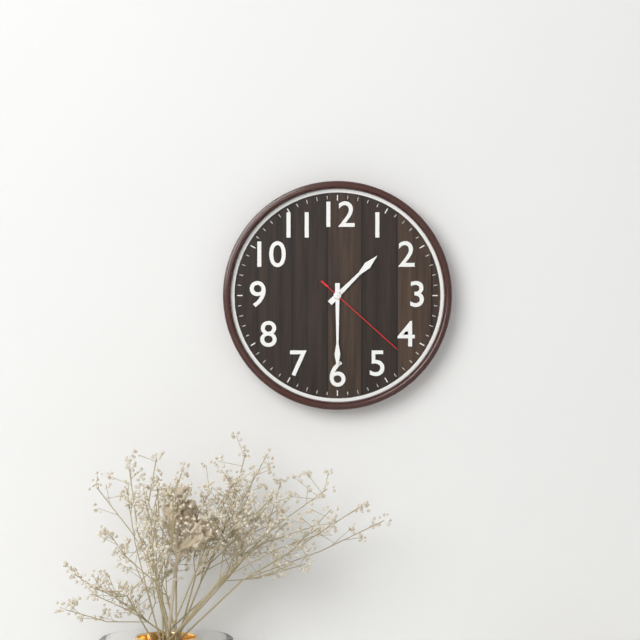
h=1 m=30 s=22
